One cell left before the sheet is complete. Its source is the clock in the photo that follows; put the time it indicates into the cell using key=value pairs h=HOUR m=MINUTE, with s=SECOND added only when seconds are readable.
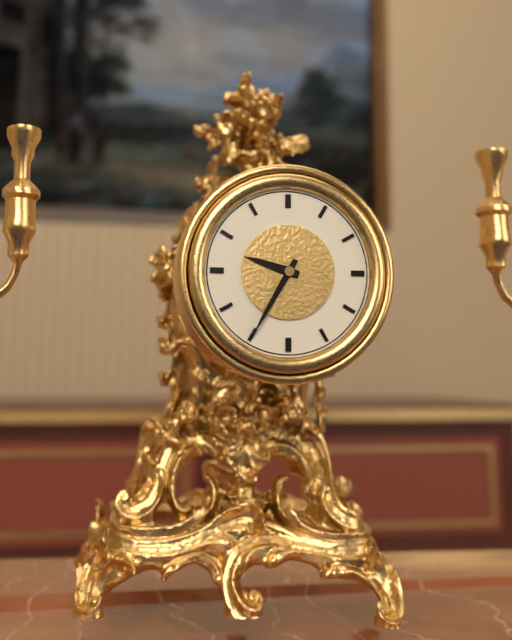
h=9 m=35
